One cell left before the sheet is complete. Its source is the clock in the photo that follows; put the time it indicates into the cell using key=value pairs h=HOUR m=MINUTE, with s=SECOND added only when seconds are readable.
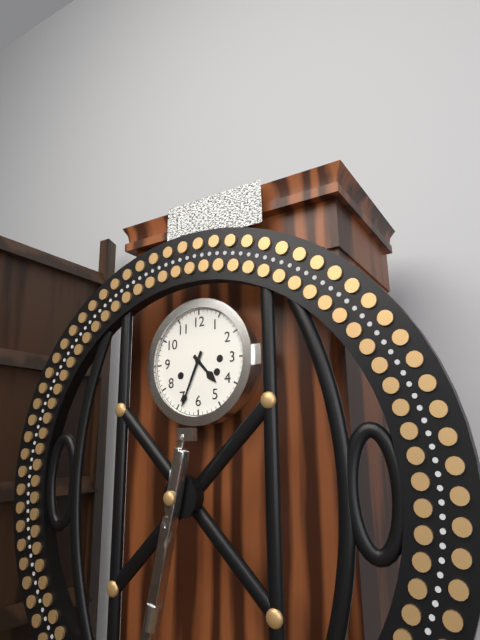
h=4 m=34
